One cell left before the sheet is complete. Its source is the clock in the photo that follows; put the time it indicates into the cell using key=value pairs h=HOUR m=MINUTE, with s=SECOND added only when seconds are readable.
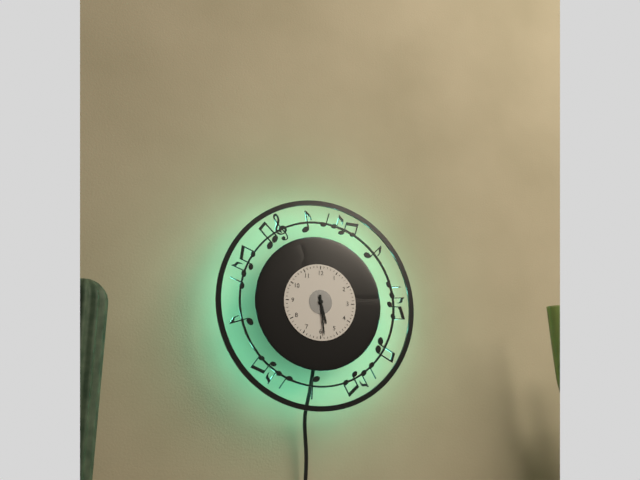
h=5 m=29
